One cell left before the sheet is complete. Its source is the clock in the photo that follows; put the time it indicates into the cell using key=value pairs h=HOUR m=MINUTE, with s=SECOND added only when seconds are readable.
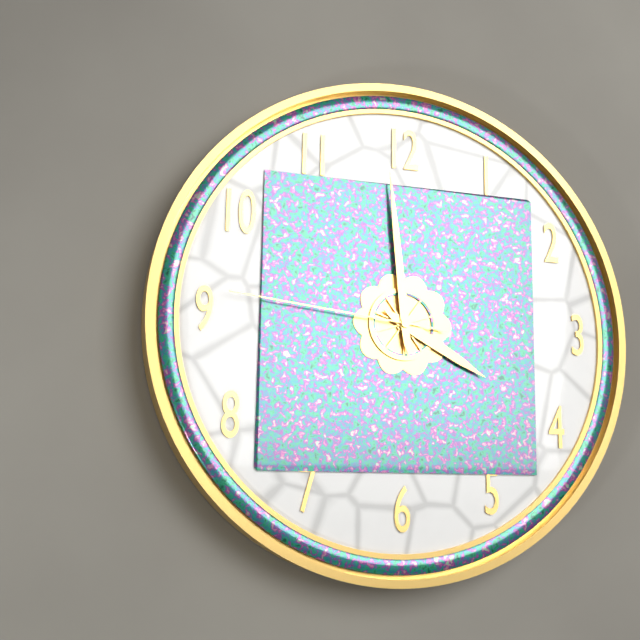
h=3 m=59 s=46
